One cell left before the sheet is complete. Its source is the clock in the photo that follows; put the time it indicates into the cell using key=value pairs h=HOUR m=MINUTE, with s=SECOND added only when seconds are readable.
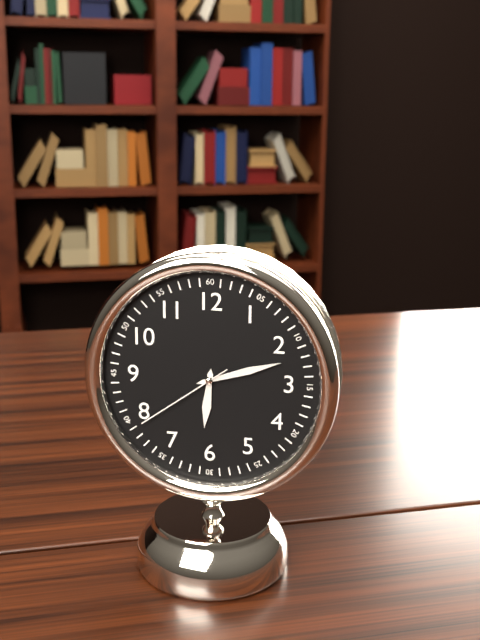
h=6 m=12 s=39
